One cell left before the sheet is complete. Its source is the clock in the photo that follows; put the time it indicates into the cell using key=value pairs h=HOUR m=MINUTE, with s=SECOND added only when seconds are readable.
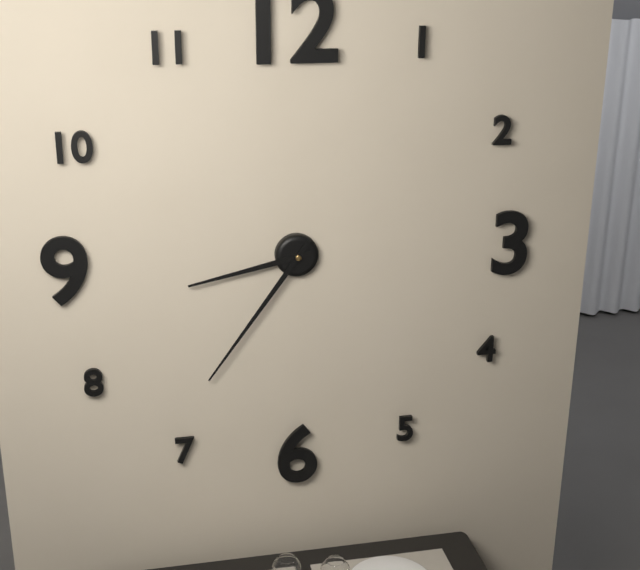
h=8 m=36
